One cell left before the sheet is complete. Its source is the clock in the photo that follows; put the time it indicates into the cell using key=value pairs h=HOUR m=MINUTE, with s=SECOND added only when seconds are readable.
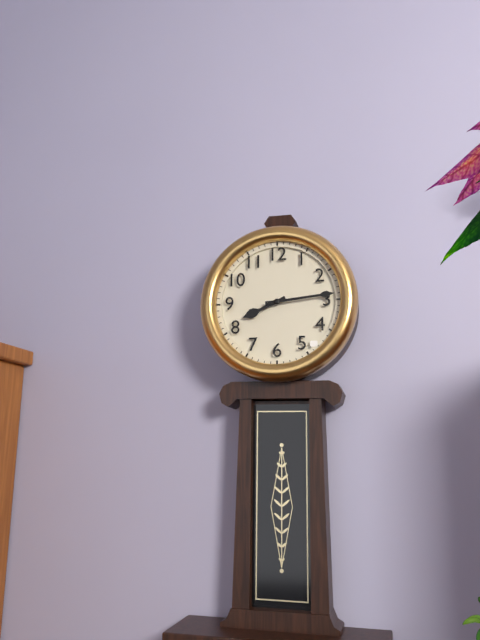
h=8 m=14
